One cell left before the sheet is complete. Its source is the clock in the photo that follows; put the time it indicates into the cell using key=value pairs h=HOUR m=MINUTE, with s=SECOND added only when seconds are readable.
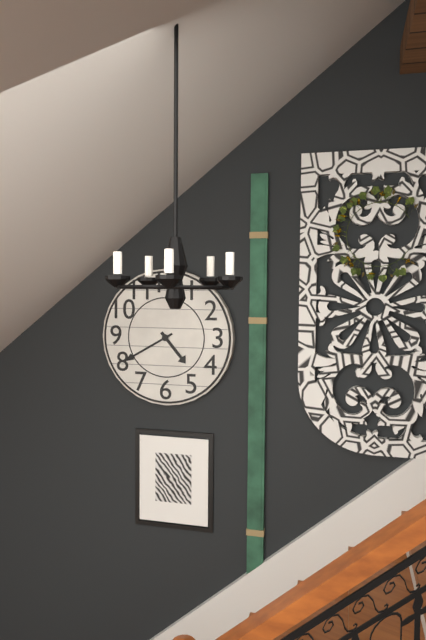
h=4 m=40
